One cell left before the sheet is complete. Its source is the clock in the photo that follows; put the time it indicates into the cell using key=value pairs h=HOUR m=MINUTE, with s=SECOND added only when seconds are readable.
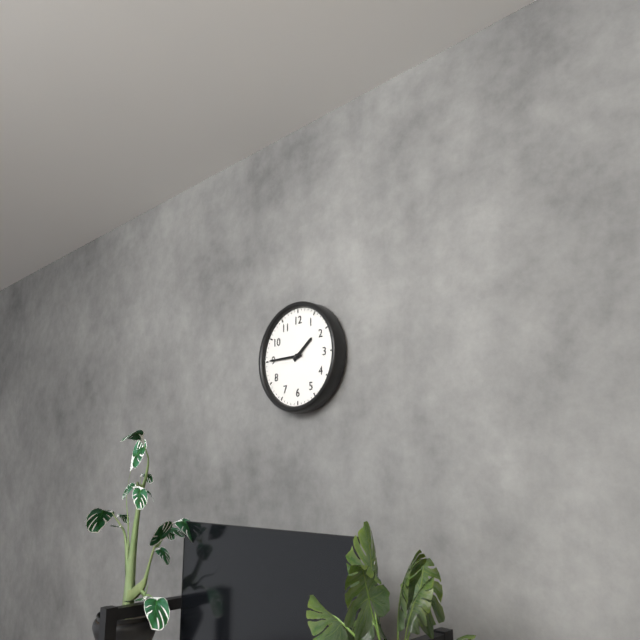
h=1 m=45
